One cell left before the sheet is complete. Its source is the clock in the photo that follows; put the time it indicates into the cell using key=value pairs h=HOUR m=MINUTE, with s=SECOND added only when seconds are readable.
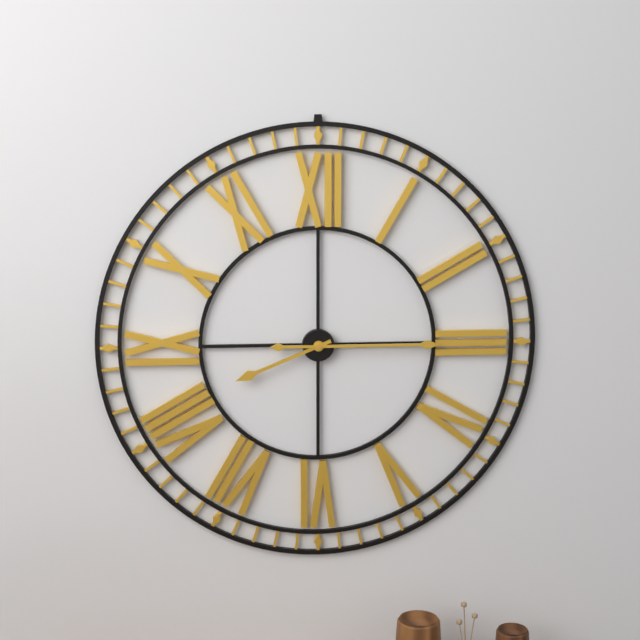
h=8 m=15
